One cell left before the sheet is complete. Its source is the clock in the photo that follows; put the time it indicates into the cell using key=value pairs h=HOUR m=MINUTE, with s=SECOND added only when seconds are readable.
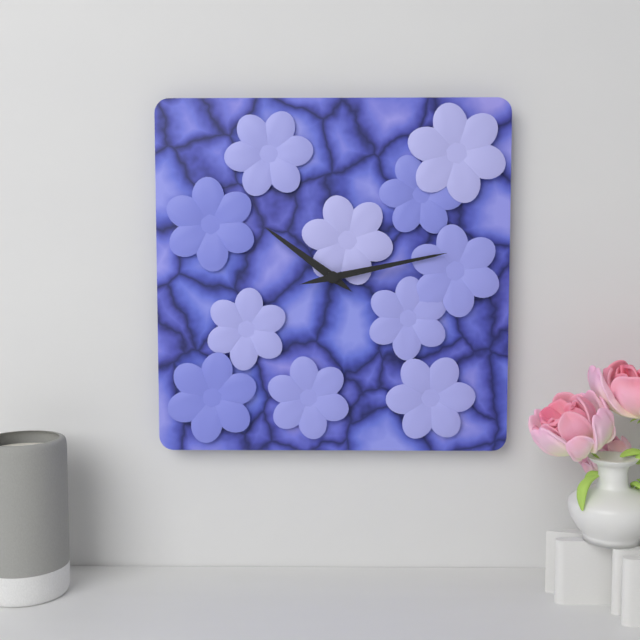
h=10 m=13
